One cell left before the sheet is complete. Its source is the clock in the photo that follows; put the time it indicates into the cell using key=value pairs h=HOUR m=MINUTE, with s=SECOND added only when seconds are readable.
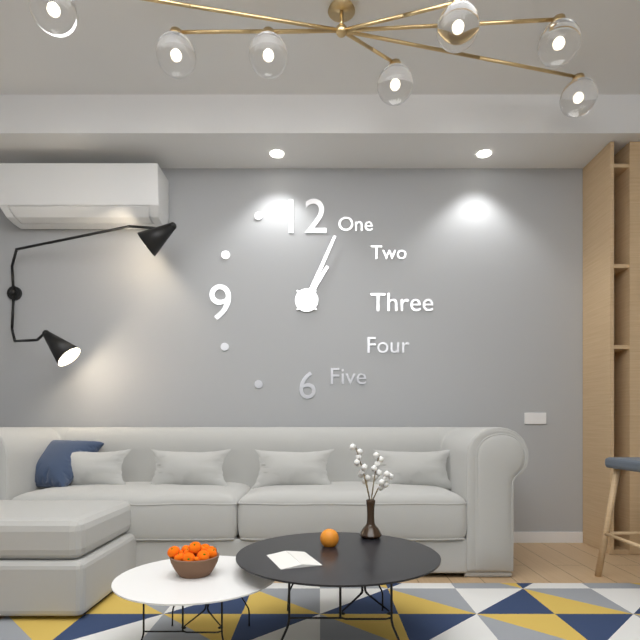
h=1 m=4
